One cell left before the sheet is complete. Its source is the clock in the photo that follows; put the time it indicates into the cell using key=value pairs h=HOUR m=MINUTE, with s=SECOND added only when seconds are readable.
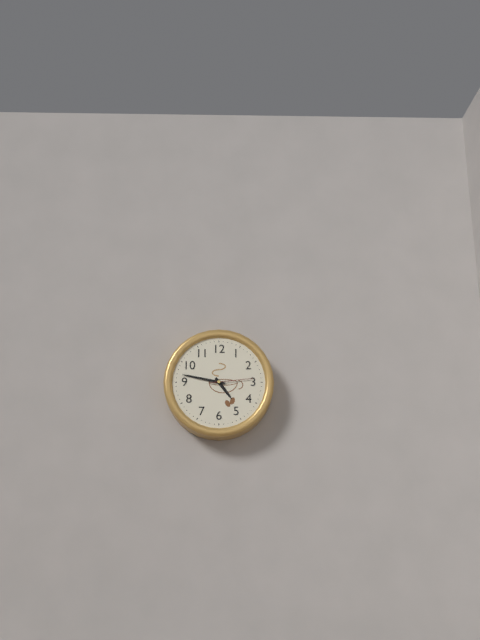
h=4 m=47
